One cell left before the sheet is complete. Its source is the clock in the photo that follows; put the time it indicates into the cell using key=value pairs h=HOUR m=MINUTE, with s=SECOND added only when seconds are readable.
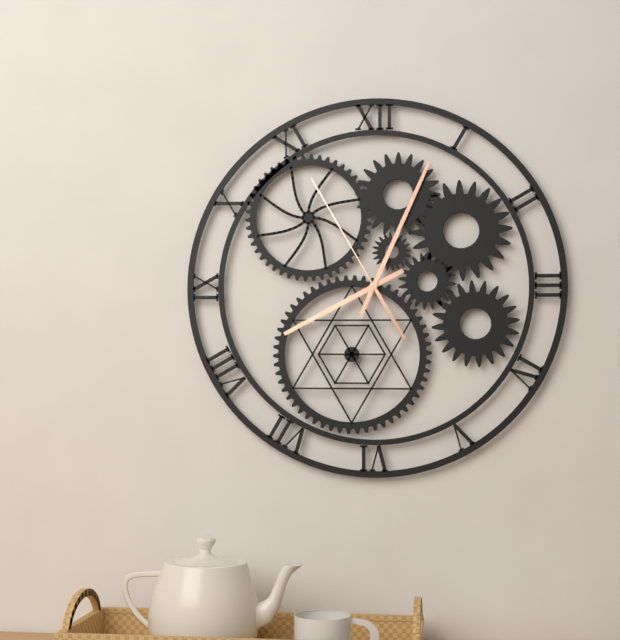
h=8 m=4 s=55
